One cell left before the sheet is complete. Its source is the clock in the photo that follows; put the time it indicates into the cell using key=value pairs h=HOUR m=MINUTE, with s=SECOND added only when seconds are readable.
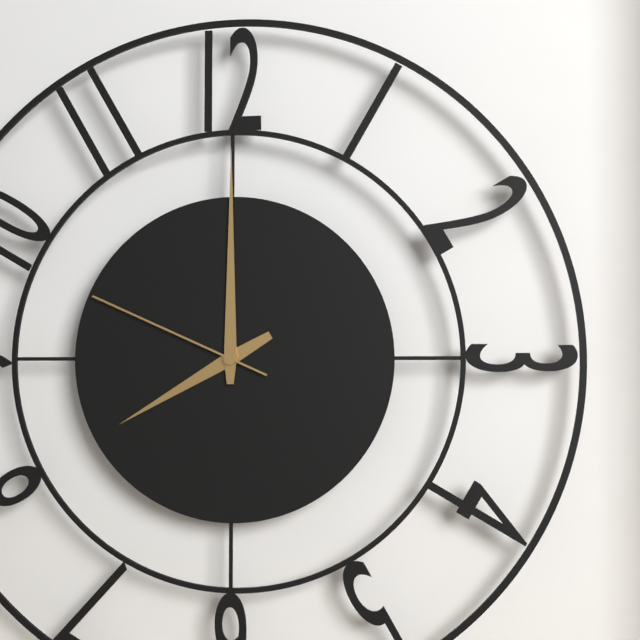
h=8 m=0 s=49
